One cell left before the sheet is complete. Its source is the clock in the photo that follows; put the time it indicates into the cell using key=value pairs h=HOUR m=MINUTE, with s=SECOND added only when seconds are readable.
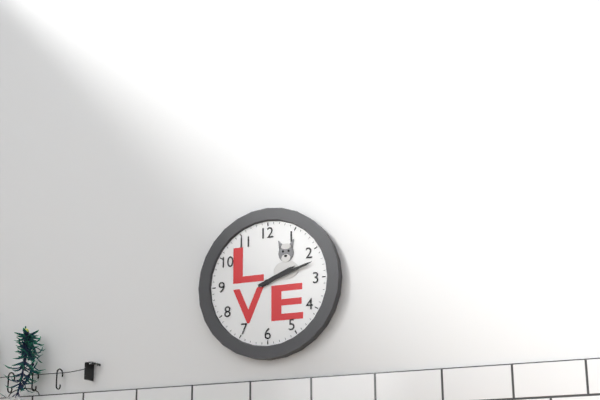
h=2 m=12
